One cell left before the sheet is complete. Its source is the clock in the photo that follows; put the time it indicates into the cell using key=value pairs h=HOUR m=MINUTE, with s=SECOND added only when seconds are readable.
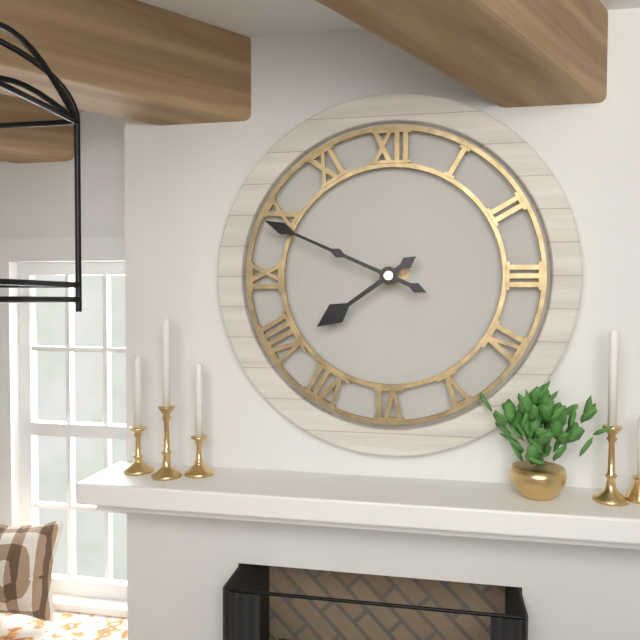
h=7 m=49
